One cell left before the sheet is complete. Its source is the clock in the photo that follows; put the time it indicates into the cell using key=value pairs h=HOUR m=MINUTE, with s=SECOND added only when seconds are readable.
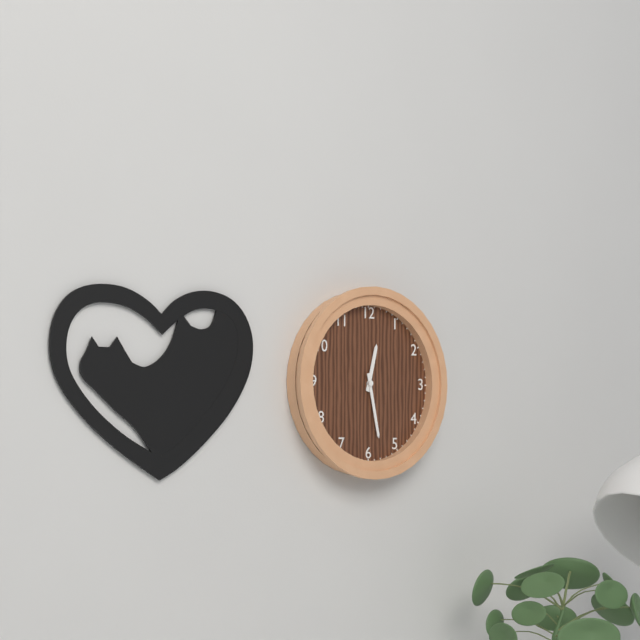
h=12 m=28
